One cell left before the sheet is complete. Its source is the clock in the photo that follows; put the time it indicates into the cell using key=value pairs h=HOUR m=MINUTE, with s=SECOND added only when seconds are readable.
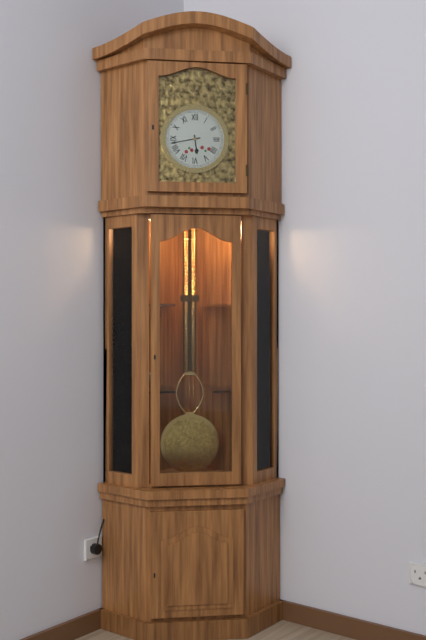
h=5 m=43
